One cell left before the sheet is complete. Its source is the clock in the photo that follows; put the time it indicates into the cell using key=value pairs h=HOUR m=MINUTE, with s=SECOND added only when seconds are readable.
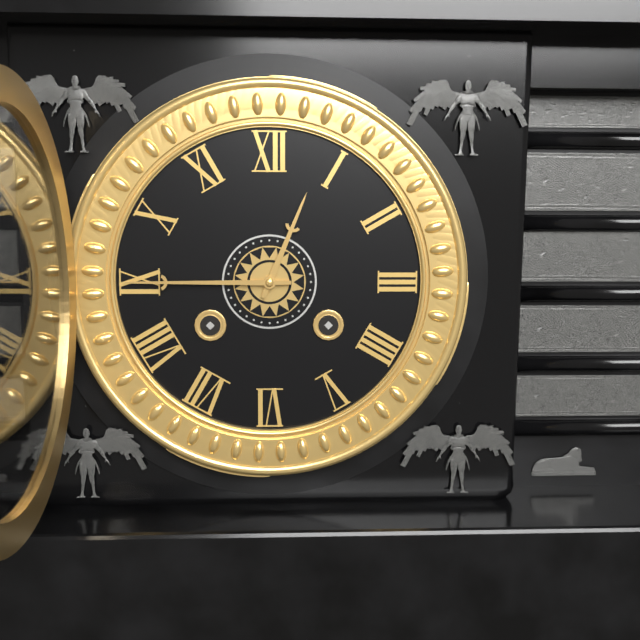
h=12 m=45
